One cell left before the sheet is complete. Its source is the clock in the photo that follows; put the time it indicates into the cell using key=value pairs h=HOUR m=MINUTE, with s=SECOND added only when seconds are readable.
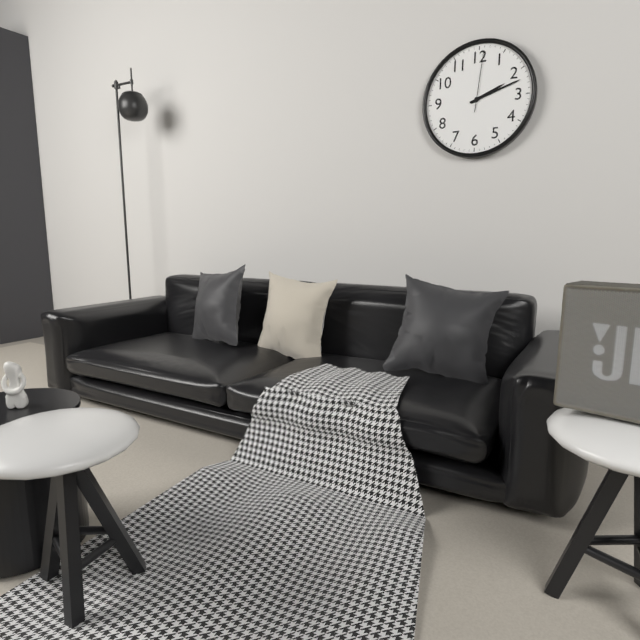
h=2 m=12 s=1
